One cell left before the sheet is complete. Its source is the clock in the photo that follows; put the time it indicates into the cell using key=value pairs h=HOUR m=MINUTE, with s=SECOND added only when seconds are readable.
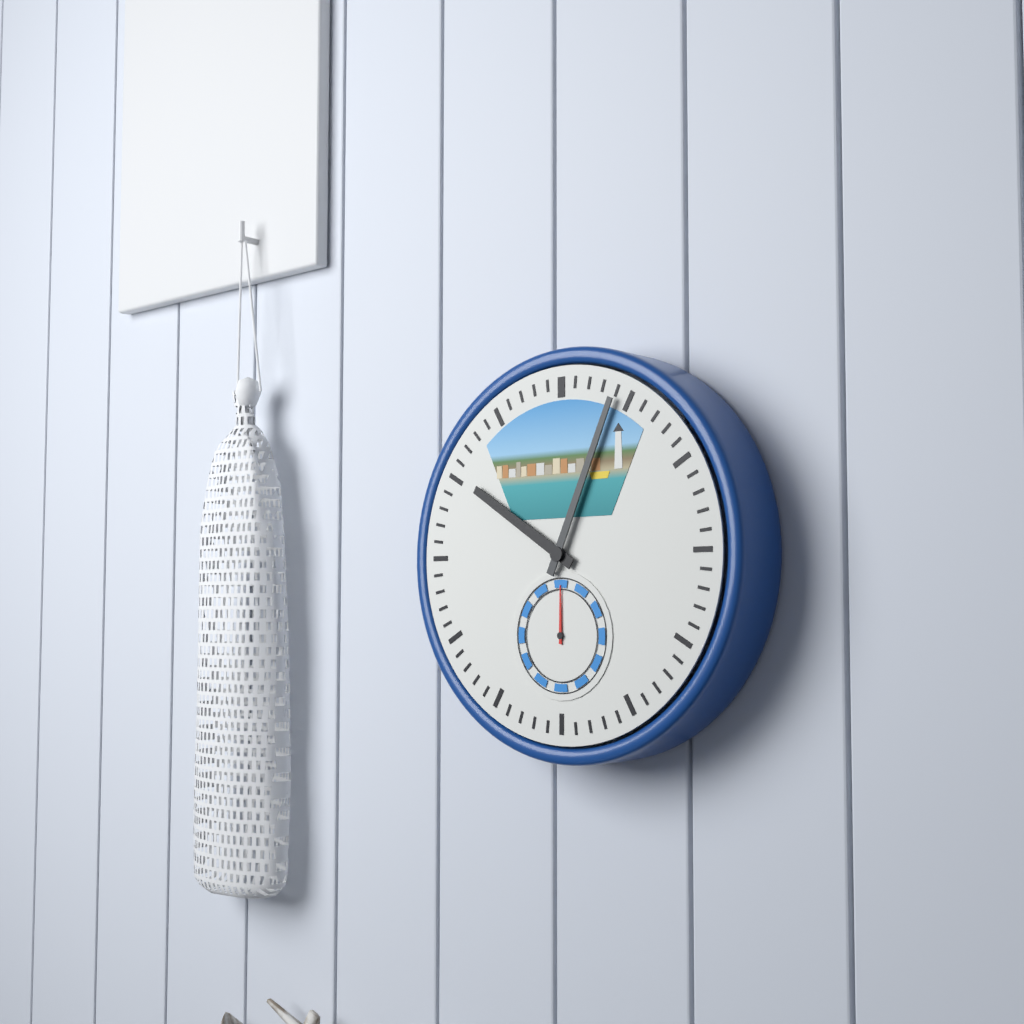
h=10 m=4
